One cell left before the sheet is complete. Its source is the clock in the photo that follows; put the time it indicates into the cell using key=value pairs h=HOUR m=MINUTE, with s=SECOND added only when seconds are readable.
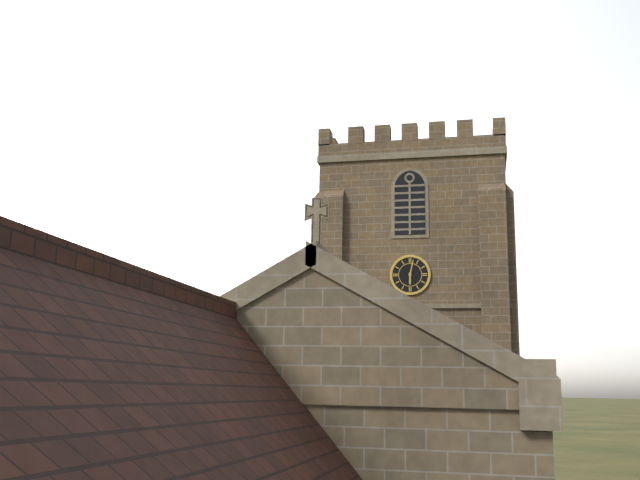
h=6 m=2
